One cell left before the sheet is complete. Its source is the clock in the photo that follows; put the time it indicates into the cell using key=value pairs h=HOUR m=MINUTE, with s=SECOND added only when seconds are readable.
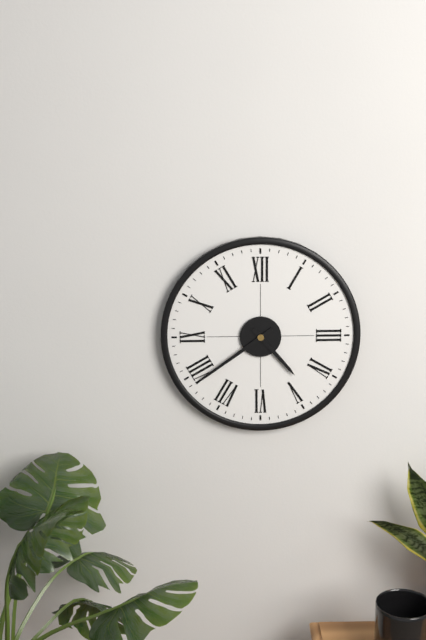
h=4 m=39
